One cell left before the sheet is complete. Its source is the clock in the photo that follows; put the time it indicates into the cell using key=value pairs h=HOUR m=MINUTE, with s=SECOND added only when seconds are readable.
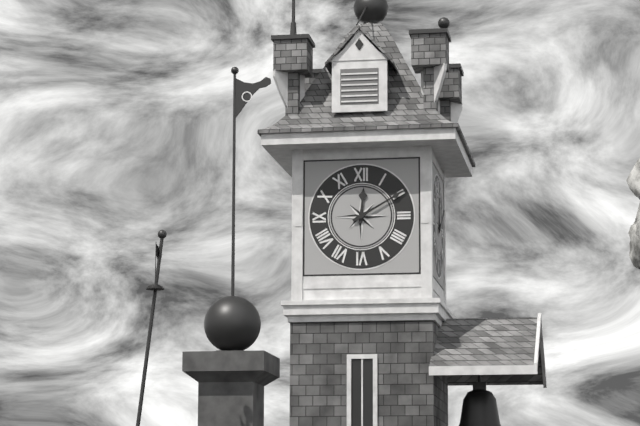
h=12 m=10
